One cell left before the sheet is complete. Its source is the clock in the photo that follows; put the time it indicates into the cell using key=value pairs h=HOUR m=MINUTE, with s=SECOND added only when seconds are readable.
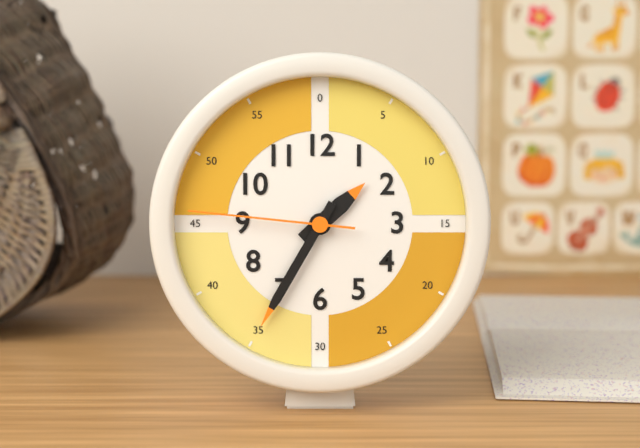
h=1 m=35 s=46
